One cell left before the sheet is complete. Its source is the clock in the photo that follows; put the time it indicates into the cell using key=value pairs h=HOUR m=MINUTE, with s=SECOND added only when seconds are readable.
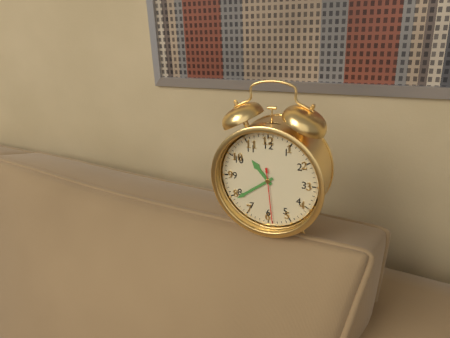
h=10 m=39 s=29
